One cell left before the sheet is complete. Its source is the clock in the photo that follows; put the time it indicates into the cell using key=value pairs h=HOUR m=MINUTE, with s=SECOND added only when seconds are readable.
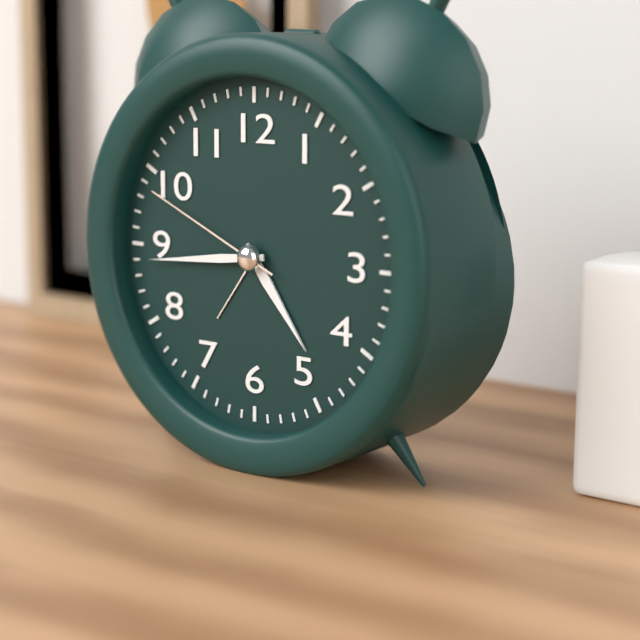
h=4 m=44 s=49
